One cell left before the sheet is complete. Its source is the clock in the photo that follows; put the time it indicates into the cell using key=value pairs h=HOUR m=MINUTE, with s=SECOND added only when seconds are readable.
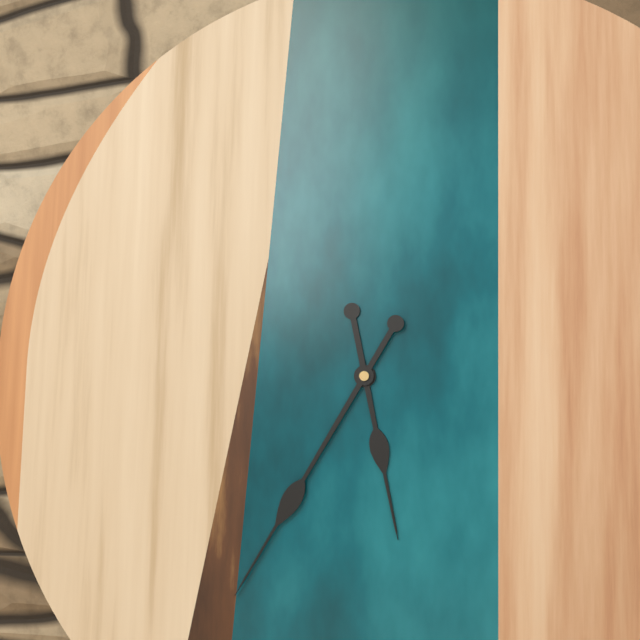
h=5 m=35
